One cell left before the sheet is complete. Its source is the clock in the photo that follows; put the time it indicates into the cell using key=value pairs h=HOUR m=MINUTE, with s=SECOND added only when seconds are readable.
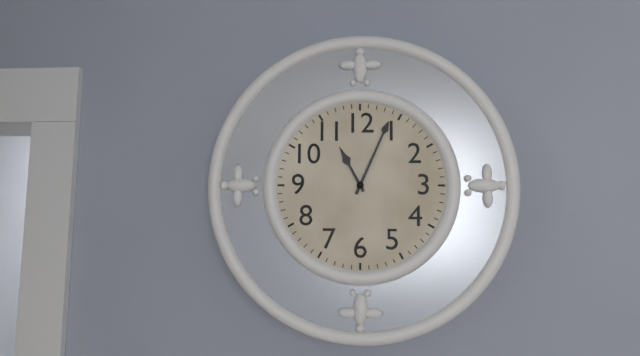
h=11 m=4
